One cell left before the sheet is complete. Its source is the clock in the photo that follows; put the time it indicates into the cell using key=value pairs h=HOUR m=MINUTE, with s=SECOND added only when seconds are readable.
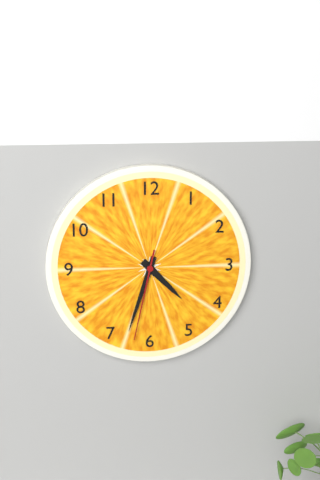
h=4 m=33 s=32
